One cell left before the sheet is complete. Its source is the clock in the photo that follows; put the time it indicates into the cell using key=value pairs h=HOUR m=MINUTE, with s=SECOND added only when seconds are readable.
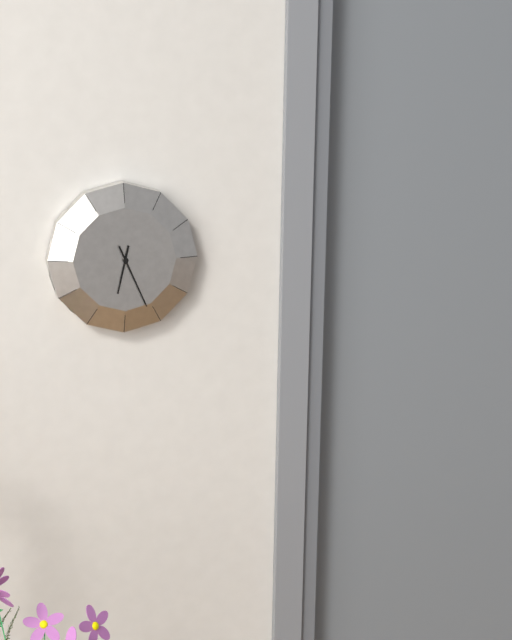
h=6 m=26
